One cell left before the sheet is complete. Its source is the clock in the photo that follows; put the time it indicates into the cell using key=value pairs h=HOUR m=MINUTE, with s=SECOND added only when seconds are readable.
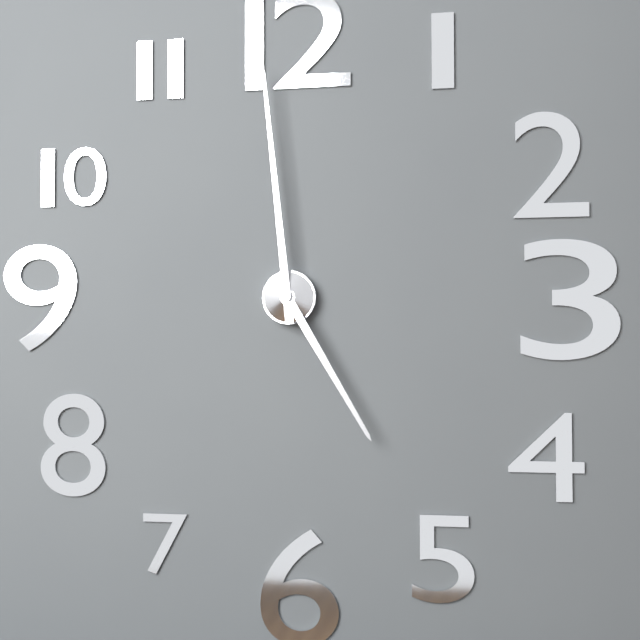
h=4 m=59
